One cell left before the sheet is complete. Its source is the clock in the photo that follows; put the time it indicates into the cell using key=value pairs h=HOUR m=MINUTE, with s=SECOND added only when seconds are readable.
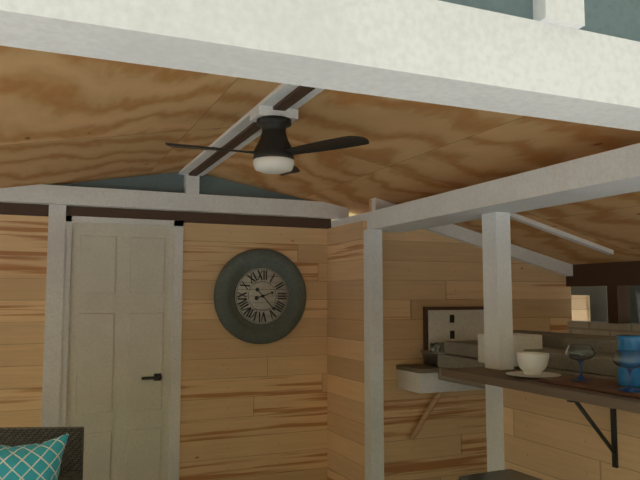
h=2 m=23
